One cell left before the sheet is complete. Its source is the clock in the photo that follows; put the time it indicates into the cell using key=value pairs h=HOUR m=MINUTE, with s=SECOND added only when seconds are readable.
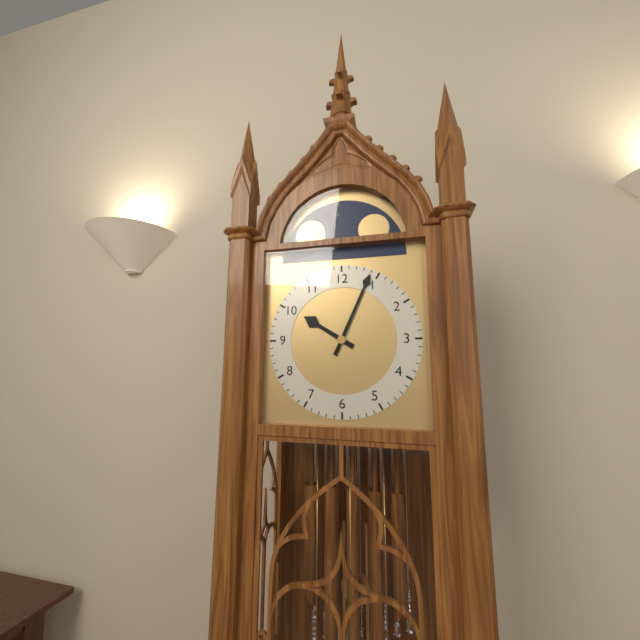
h=10 m=4
